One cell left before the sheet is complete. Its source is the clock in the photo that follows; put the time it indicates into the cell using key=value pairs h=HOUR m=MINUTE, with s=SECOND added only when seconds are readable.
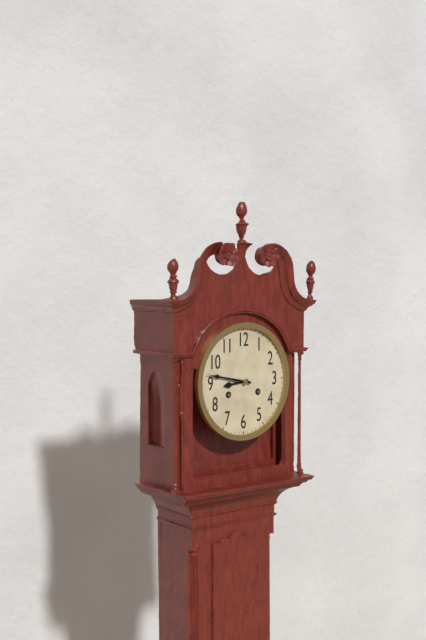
h=8 m=47
